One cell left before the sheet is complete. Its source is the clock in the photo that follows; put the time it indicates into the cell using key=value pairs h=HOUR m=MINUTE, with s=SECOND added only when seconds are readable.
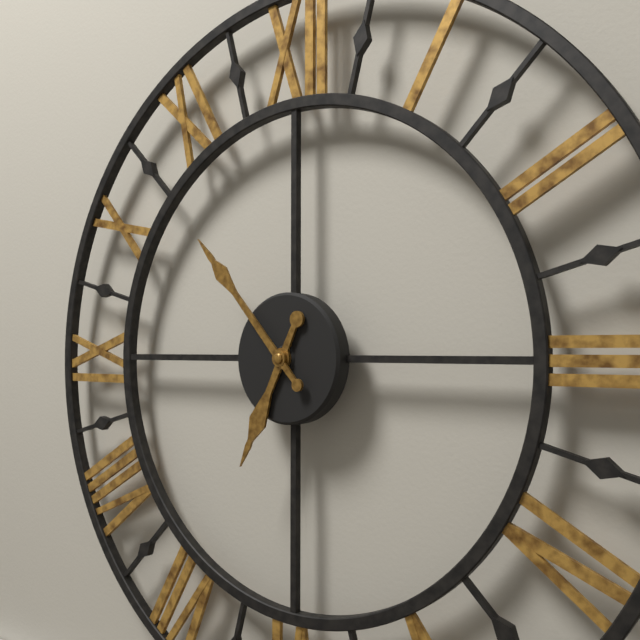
h=6 m=53
